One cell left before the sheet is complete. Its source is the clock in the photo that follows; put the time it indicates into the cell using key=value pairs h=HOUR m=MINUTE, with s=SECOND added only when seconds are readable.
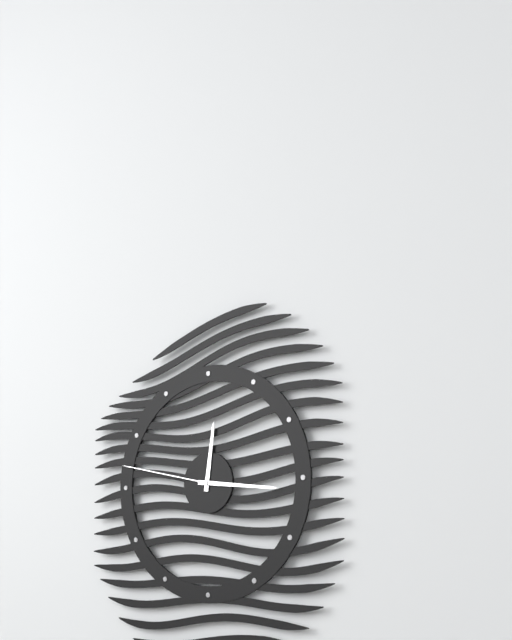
h=12 m=16 s=47
